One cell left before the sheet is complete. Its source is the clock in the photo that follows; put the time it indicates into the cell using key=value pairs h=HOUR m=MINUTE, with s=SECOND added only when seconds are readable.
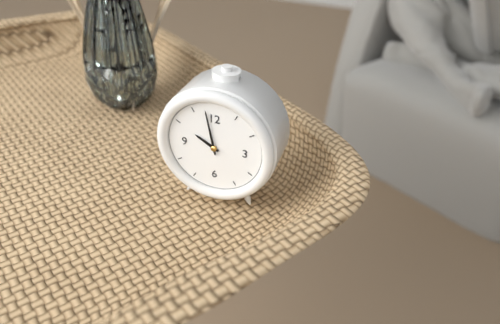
h=9 m=58
